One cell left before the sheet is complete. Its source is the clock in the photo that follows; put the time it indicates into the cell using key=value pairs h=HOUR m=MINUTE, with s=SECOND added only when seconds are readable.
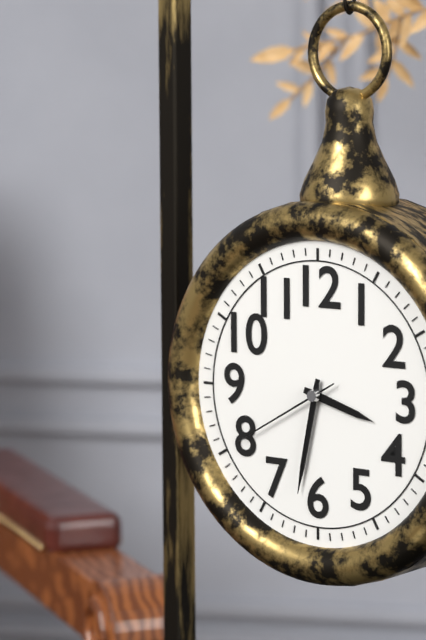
h=3 m=32 s=40
